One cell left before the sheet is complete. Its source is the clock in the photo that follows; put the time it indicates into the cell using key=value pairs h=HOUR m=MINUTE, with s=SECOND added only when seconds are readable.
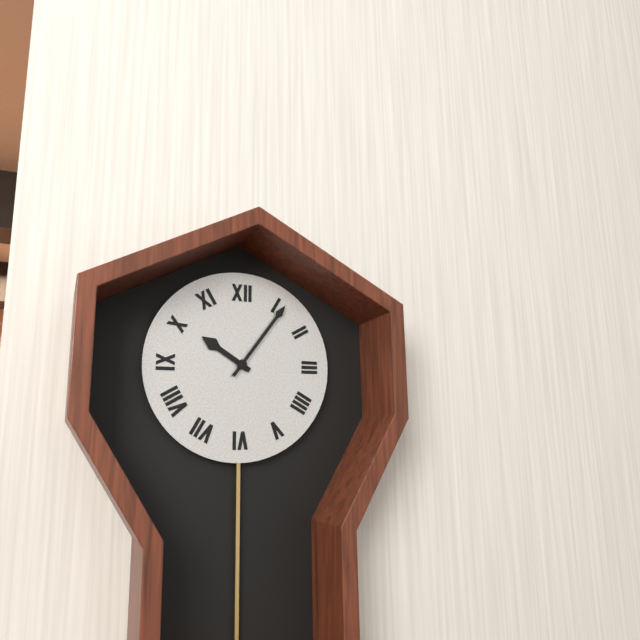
h=10 m=6
